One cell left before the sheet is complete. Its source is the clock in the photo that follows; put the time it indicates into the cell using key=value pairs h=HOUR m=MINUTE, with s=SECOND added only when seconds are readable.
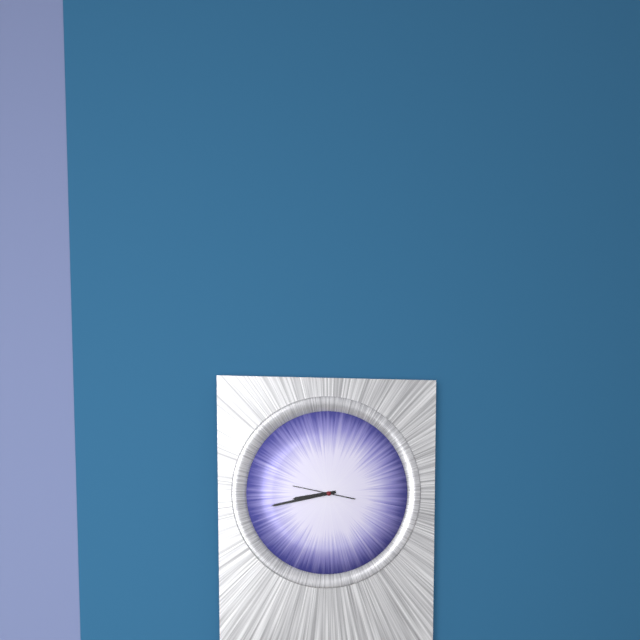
h=8 m=43
